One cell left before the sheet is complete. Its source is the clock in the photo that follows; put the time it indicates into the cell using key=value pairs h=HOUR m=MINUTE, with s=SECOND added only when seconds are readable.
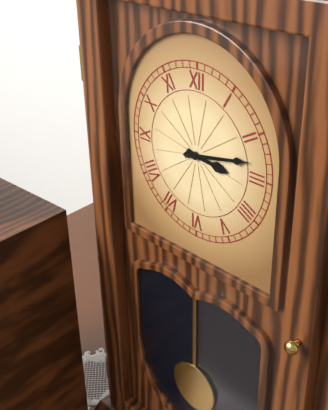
h=3 m=13
